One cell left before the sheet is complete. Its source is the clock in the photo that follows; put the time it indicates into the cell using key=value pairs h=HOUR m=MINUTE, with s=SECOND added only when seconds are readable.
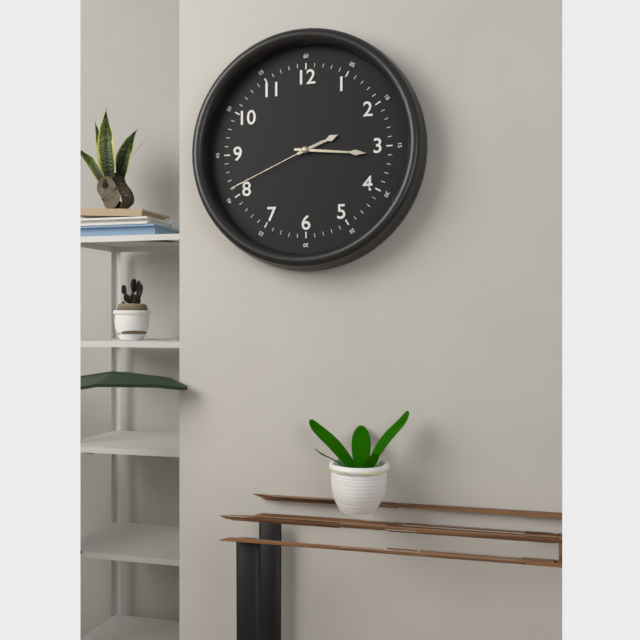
h=2 m=16 s=41
